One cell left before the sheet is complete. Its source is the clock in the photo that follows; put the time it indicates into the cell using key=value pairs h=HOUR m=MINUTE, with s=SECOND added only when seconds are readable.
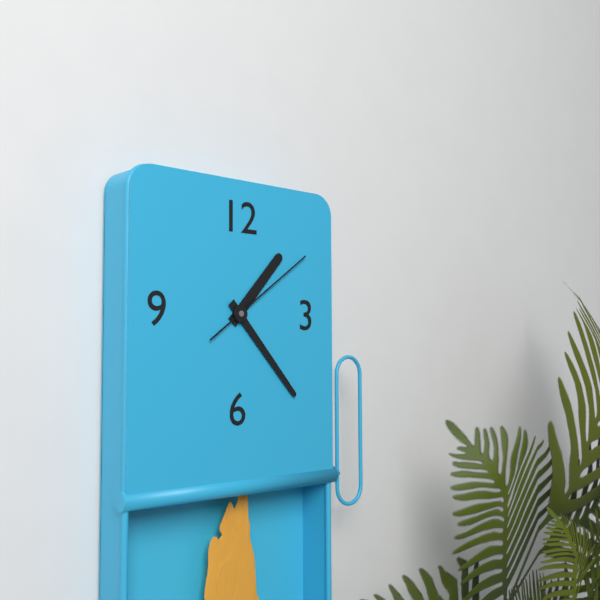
h=1 m=23 s=9
